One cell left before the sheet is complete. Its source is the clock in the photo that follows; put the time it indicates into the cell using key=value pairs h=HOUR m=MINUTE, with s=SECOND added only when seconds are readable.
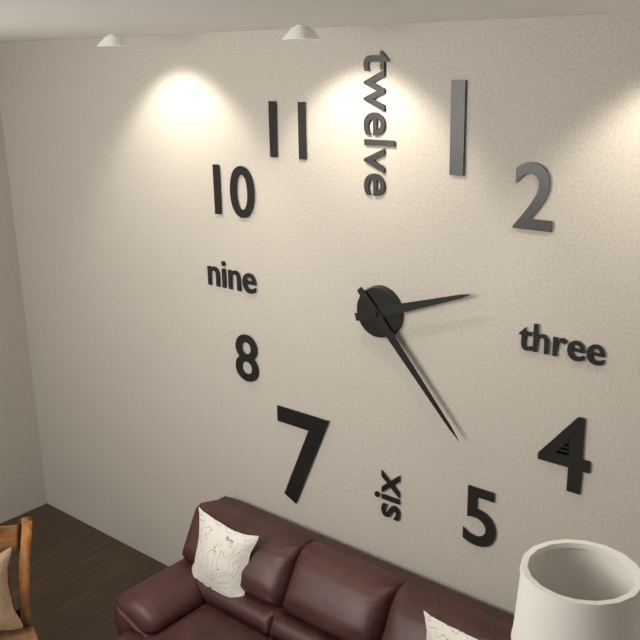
h=2 m=23
